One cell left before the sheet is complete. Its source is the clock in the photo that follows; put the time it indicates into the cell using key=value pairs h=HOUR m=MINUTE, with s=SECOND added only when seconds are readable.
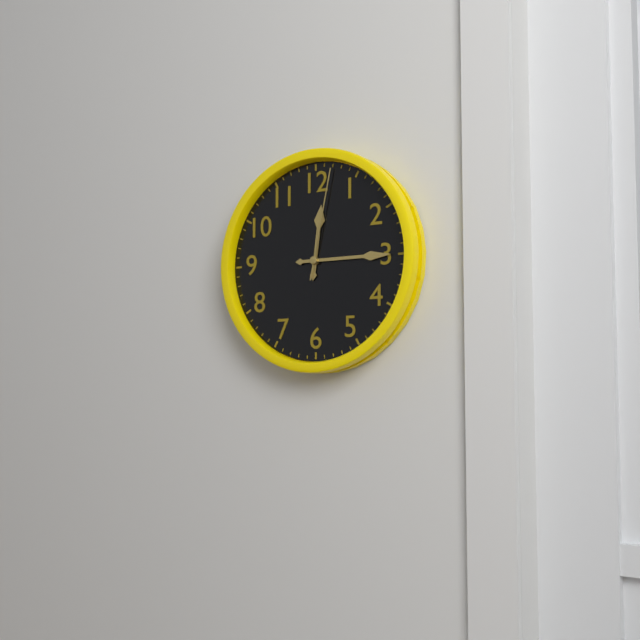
h=12 m=15 s=2
